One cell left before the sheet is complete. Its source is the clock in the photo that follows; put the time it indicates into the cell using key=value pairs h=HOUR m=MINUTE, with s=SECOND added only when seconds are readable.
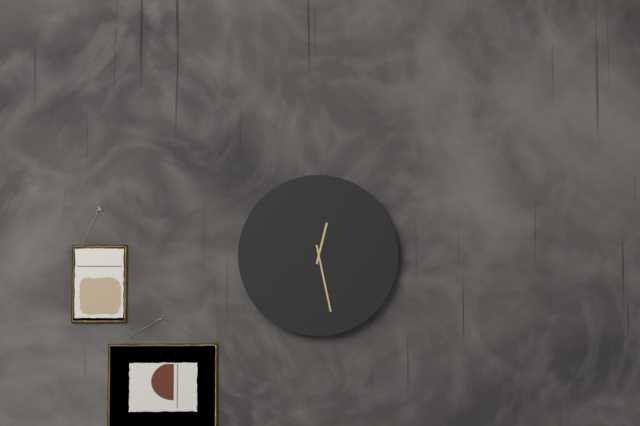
h=12 m=28
